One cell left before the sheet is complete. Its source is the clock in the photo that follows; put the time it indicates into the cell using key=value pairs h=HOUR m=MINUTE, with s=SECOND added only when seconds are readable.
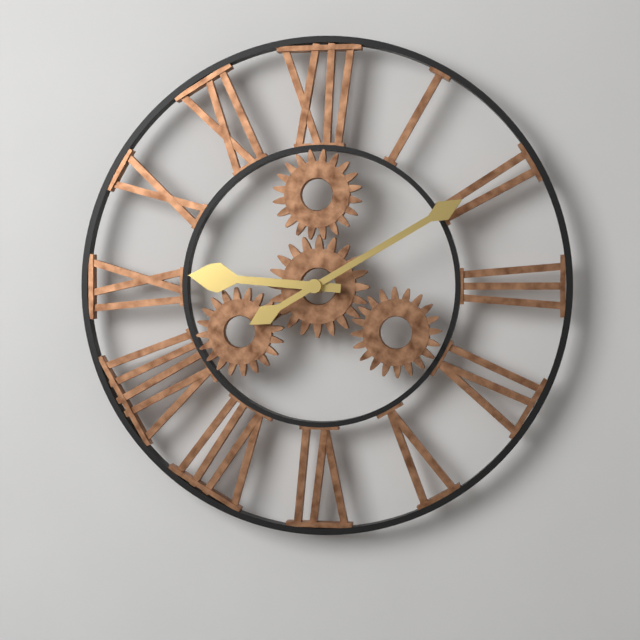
h=9 m=10
